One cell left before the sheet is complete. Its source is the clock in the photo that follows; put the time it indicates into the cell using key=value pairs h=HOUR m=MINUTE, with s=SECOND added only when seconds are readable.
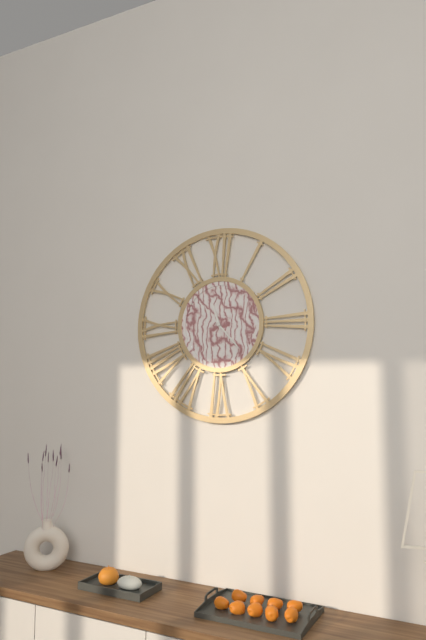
h=11 m=23
